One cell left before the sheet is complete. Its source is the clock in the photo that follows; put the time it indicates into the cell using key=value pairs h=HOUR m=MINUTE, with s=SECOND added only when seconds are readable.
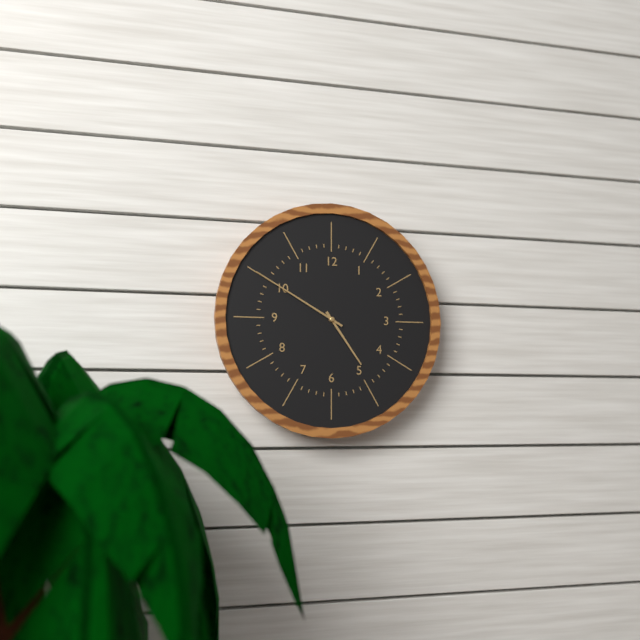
h=4 m=50
